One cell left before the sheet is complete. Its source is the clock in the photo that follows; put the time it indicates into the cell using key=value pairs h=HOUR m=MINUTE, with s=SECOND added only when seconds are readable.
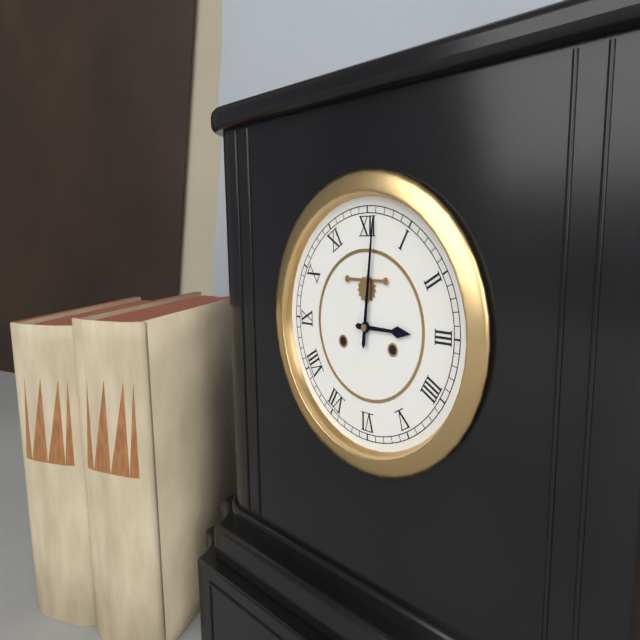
h=3 m=1
